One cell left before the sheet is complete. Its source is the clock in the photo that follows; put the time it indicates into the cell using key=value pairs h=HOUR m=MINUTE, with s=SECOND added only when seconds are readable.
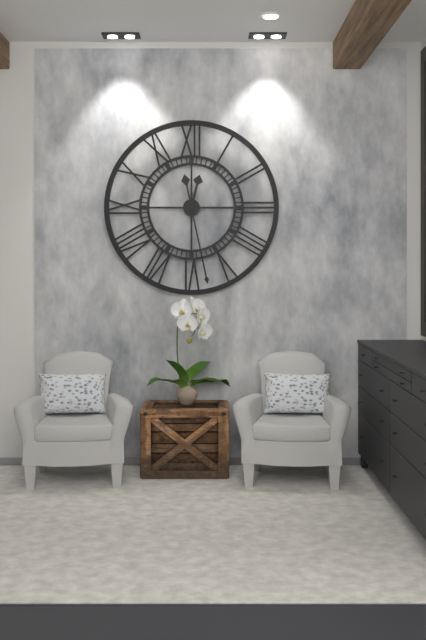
h=12 m=28
